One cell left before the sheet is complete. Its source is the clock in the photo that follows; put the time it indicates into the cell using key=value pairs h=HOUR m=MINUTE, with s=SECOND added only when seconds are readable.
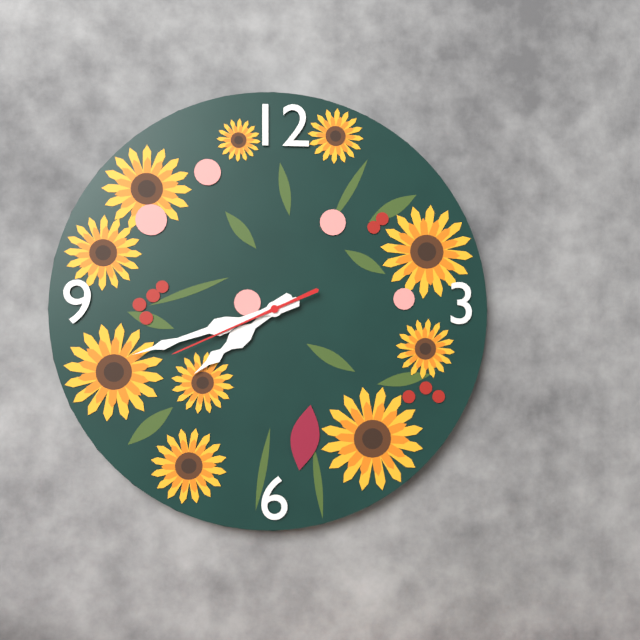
h=7 m=42 s=41
